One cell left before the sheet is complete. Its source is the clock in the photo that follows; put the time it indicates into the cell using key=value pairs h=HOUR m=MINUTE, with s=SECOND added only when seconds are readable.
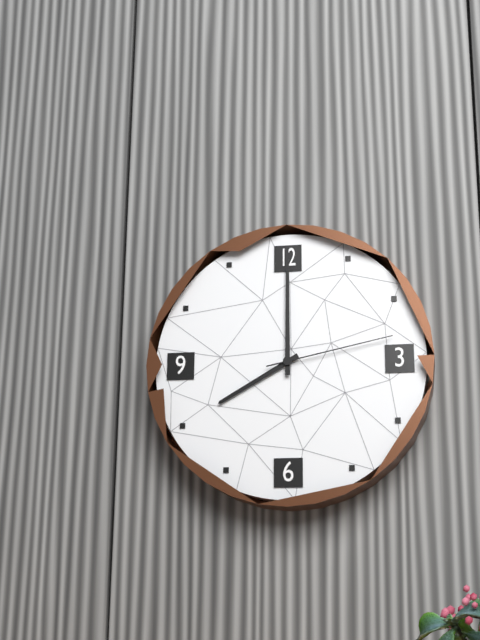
h=8 m=0 s=13
